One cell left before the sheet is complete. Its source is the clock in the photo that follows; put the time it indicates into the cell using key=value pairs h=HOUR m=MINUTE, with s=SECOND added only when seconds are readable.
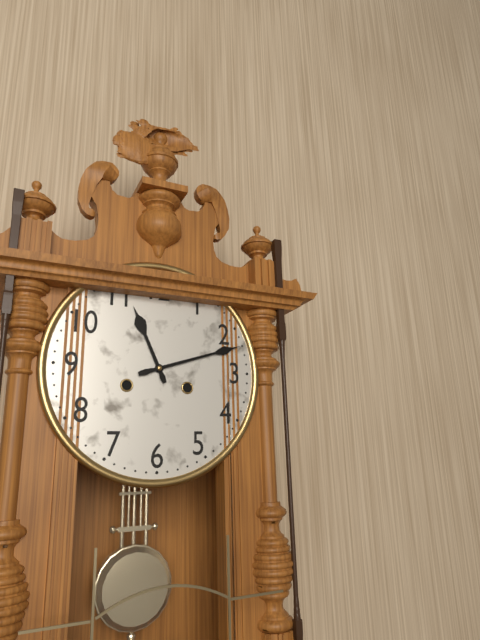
h=11 m=12
